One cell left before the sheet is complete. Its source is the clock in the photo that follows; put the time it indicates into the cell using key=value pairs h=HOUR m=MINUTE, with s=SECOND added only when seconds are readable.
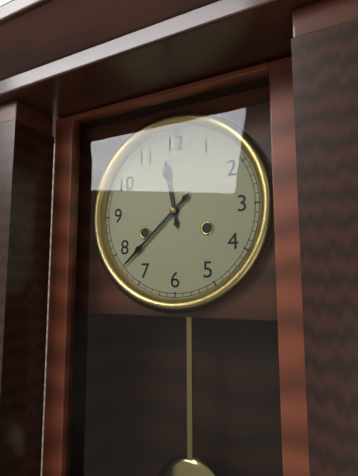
h=11 m=38
